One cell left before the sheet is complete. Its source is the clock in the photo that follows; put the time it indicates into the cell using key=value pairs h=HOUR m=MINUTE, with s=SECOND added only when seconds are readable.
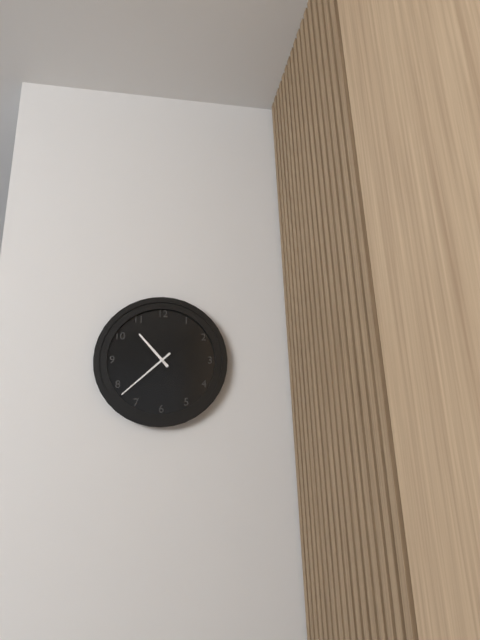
h=10 m=38
